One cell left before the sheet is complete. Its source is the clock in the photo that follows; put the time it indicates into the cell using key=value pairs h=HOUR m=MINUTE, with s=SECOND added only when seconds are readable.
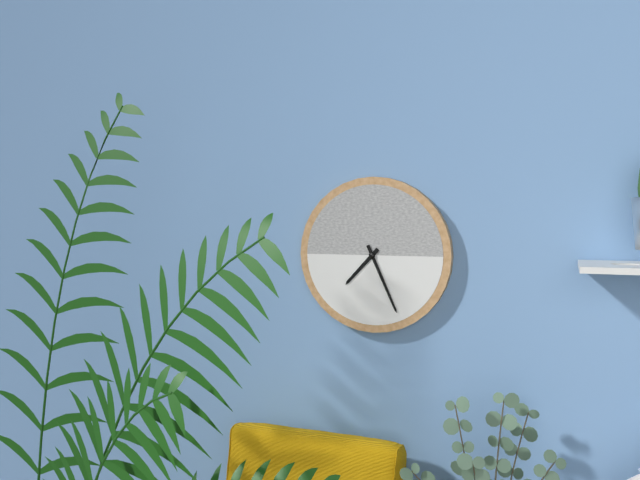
h=7 m=26
